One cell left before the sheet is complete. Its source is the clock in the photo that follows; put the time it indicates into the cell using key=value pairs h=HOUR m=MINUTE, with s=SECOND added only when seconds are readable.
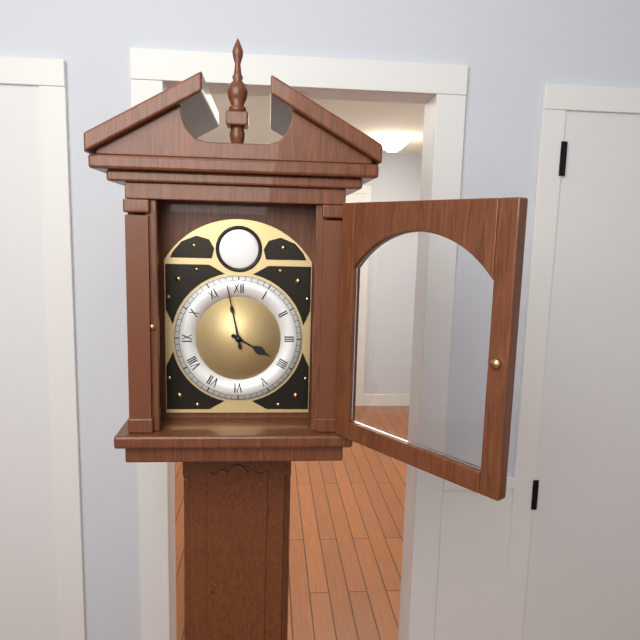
h=3 m=58
